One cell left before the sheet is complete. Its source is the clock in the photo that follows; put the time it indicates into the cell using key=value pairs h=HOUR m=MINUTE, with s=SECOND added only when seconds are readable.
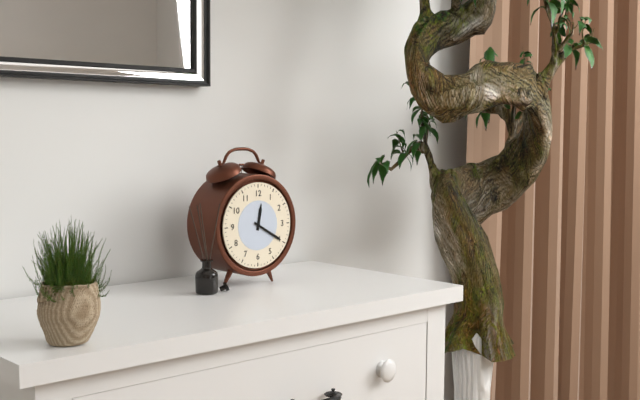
h=12 m=20
